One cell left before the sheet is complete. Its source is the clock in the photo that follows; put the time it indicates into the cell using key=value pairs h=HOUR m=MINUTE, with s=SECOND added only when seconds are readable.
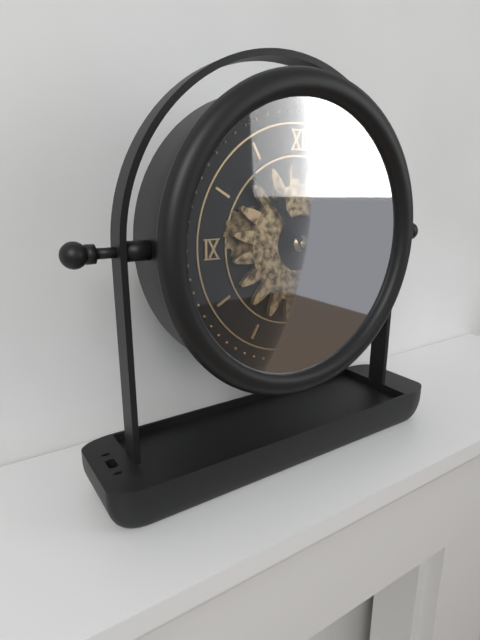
h=10 m=53
